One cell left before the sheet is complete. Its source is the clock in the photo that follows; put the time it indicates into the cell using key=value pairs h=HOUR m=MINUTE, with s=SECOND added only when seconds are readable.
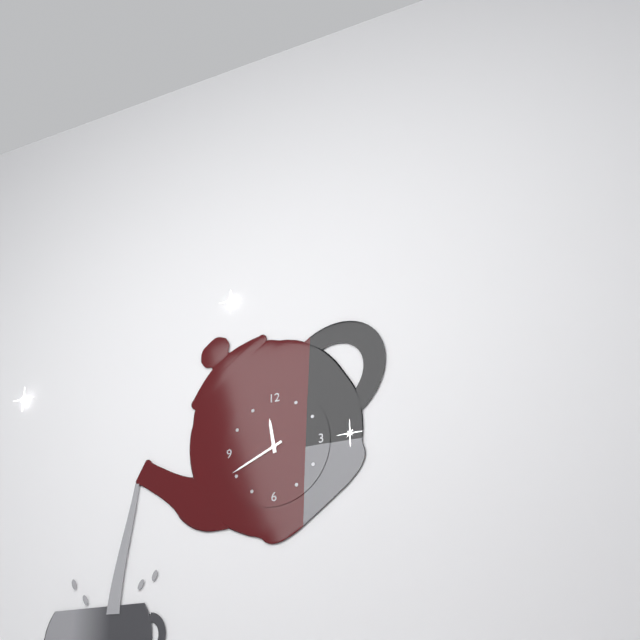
h=11 m=41
